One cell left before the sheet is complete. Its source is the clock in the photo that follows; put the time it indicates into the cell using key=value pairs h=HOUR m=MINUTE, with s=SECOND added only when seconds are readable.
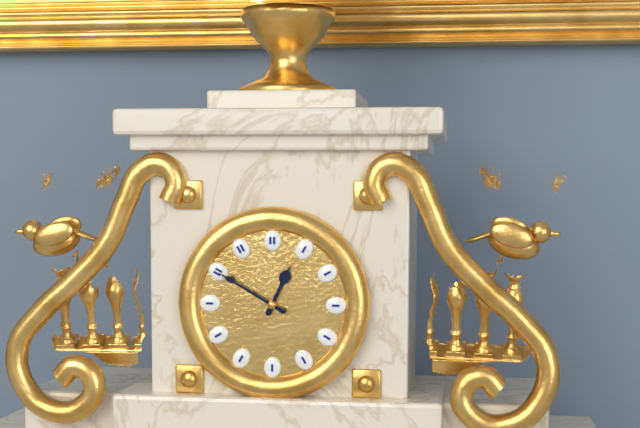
h=12 m=50
